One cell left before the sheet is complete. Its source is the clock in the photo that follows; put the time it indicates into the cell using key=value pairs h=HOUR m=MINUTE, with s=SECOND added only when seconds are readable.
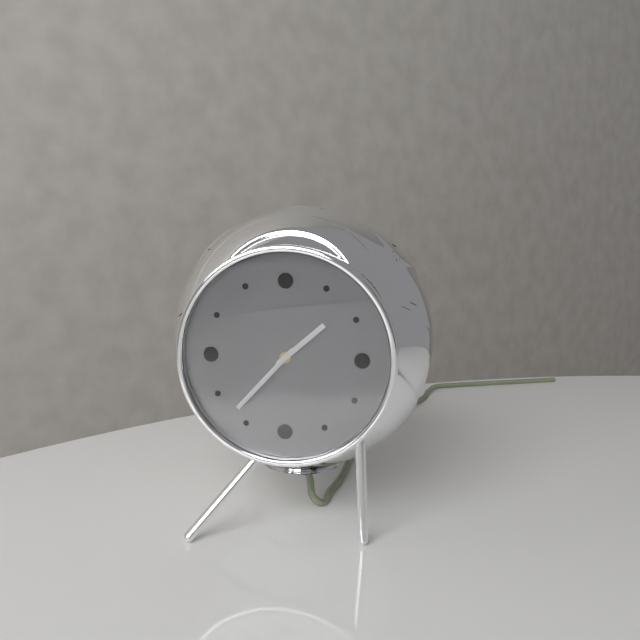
h=1 m=37
